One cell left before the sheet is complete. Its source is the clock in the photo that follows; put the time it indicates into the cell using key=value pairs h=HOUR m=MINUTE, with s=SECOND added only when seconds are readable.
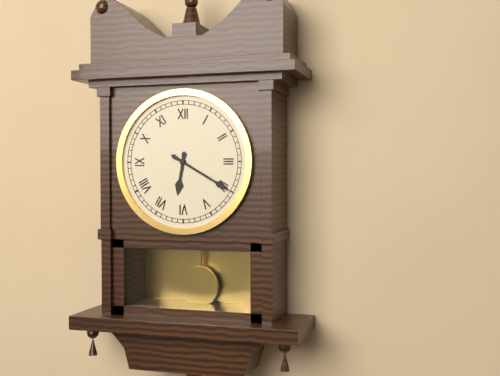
h=6 m=20
